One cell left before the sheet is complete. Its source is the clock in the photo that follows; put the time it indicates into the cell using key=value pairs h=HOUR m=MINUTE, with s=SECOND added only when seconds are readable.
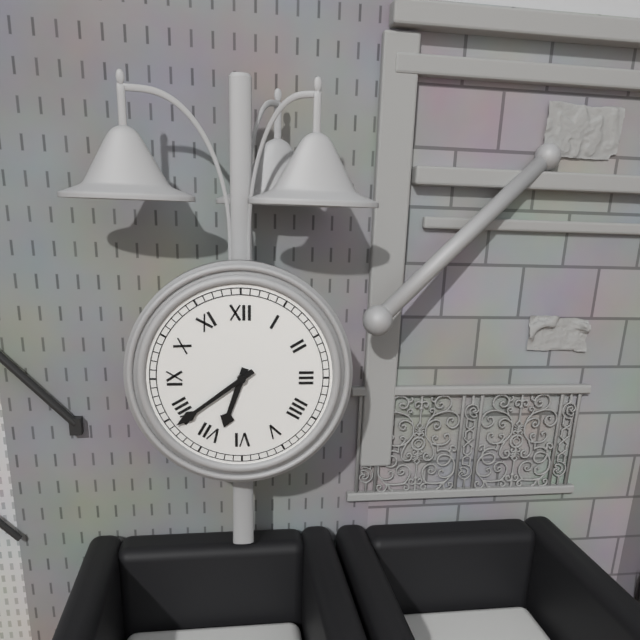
h=6 m=39
